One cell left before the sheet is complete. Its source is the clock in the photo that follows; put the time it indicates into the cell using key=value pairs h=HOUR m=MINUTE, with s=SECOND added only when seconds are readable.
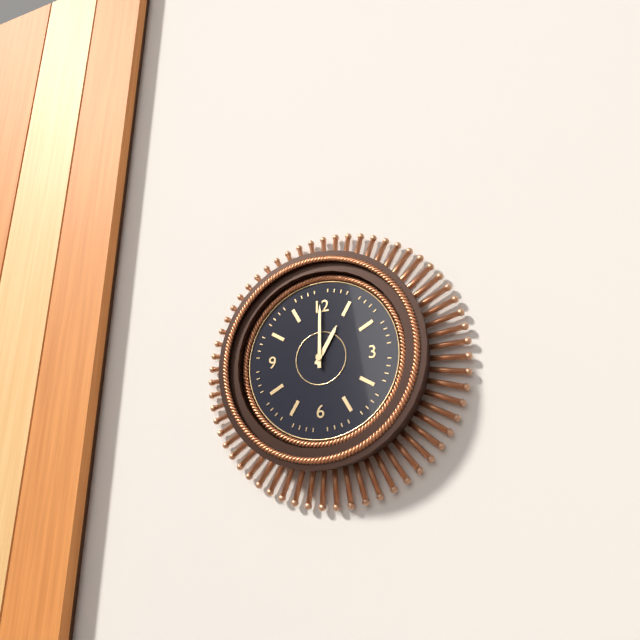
h=1 m=0
